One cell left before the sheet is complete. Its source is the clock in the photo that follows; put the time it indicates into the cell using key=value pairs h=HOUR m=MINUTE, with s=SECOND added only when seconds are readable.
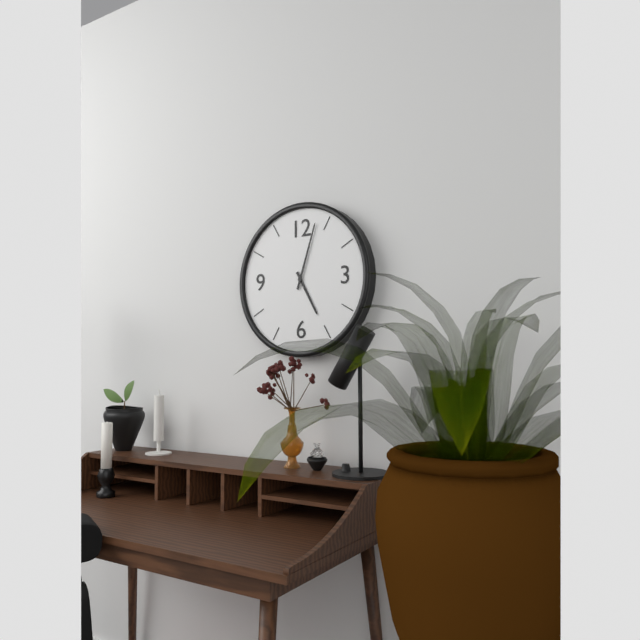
h=5 m=3
